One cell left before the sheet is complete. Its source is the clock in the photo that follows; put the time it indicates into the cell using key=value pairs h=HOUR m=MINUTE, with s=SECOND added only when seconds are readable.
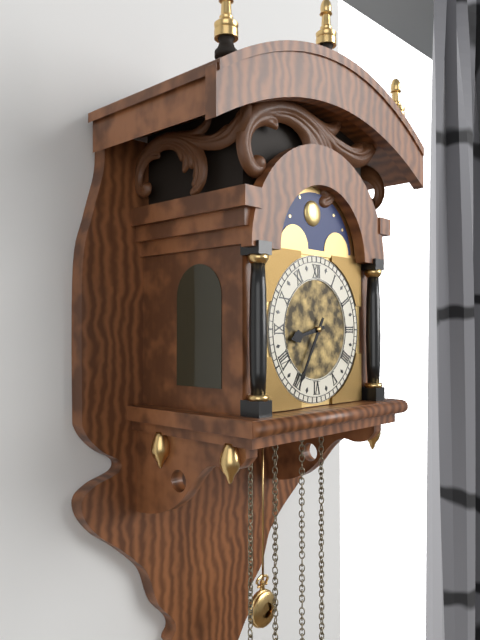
h=8 m=35
